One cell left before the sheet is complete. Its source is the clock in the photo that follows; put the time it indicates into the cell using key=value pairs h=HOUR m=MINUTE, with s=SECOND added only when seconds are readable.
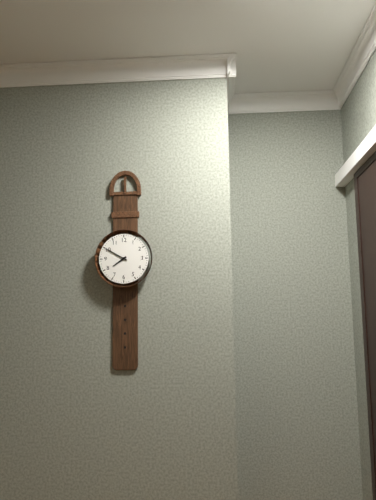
h=7 m=50
